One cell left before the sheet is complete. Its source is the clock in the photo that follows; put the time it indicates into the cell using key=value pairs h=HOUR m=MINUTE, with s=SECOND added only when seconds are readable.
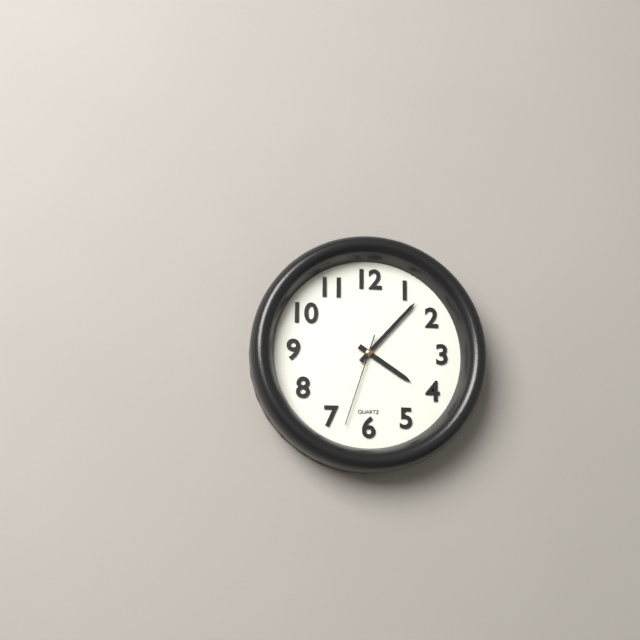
h=4 m=7 s=33
